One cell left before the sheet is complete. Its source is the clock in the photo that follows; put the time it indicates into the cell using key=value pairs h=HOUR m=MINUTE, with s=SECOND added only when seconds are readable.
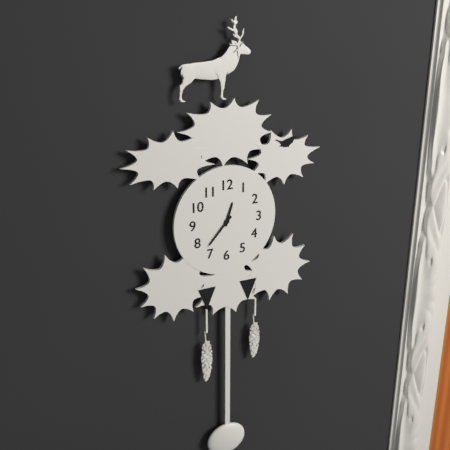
h=12 m=37
